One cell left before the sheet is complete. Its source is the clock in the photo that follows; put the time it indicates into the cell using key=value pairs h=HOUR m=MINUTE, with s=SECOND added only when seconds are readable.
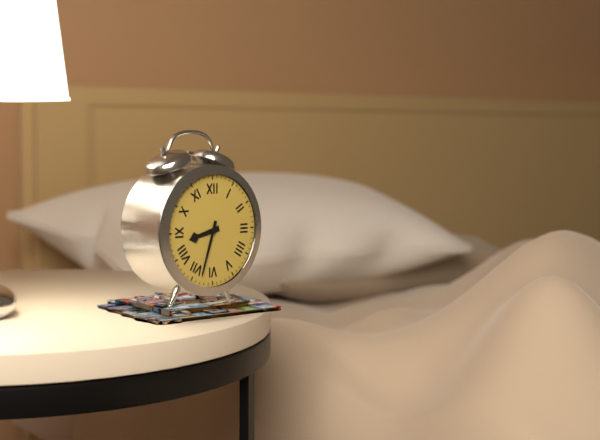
h=8 m=33
